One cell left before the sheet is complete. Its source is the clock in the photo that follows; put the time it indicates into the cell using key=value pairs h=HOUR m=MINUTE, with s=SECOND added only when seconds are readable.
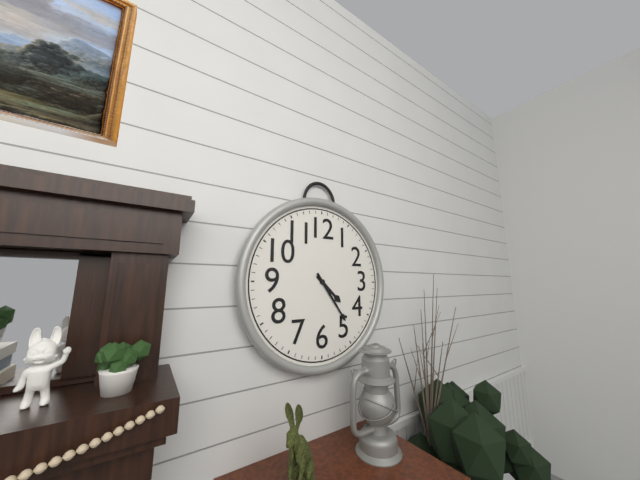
h=4 m=24
